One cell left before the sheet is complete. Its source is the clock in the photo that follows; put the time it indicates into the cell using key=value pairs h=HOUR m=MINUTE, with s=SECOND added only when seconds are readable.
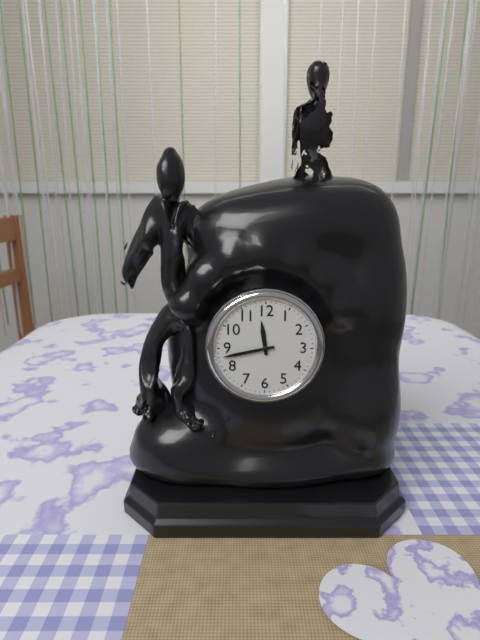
h=11 m=43
